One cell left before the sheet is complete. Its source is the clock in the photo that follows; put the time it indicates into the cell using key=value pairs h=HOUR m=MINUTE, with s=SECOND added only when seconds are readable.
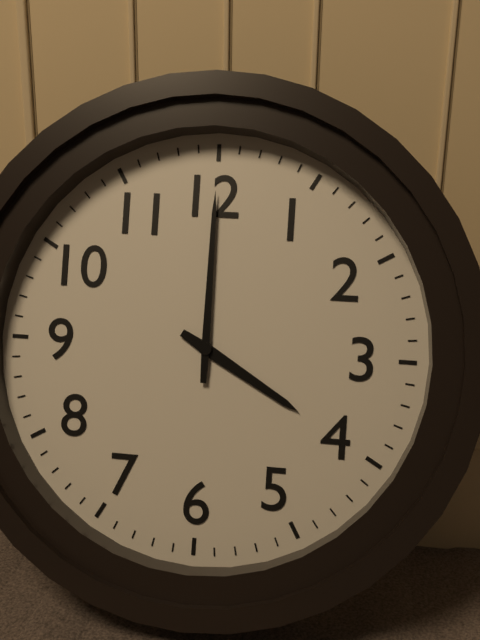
h=4 m=0
